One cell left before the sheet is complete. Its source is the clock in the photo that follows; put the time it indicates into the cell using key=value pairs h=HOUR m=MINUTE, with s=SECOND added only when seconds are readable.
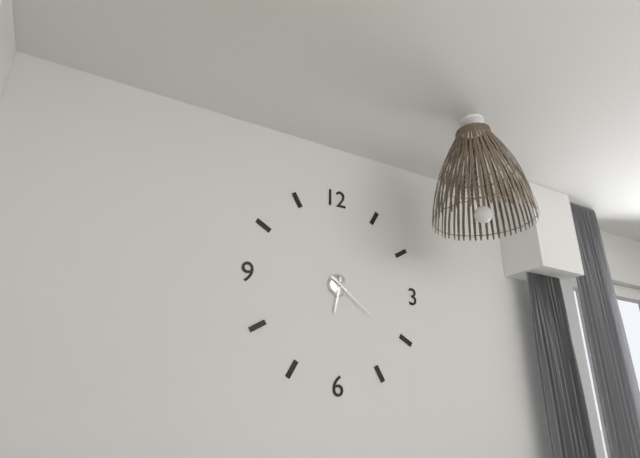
h=6 m=21
